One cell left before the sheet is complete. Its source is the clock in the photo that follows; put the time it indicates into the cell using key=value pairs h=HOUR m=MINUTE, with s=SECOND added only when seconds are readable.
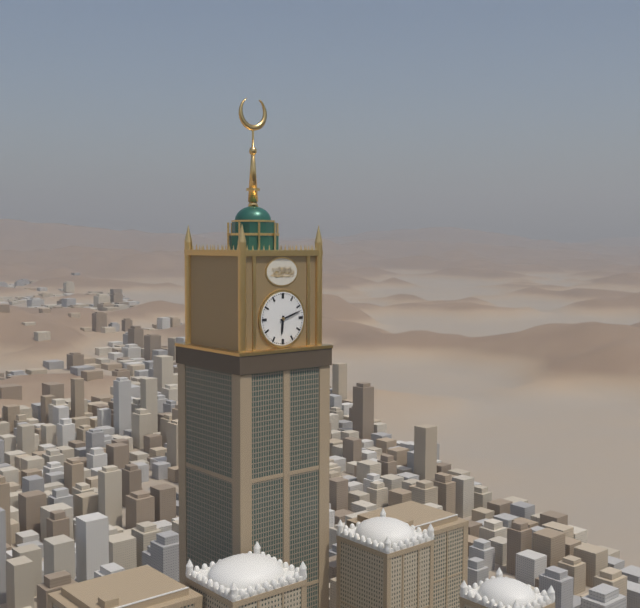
h=6 m=12
